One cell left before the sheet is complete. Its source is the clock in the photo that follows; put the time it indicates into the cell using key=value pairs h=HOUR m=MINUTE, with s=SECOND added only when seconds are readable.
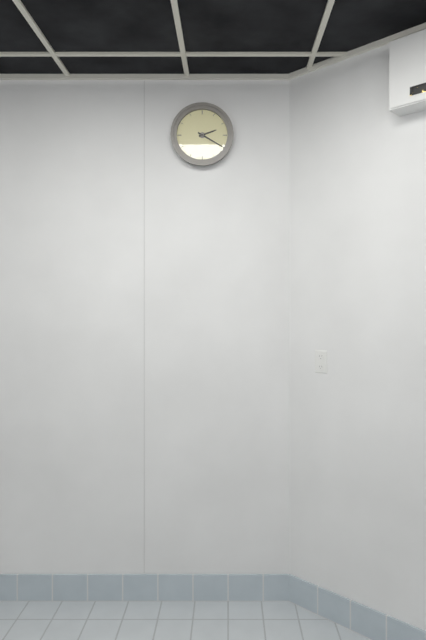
h=2 m=20
